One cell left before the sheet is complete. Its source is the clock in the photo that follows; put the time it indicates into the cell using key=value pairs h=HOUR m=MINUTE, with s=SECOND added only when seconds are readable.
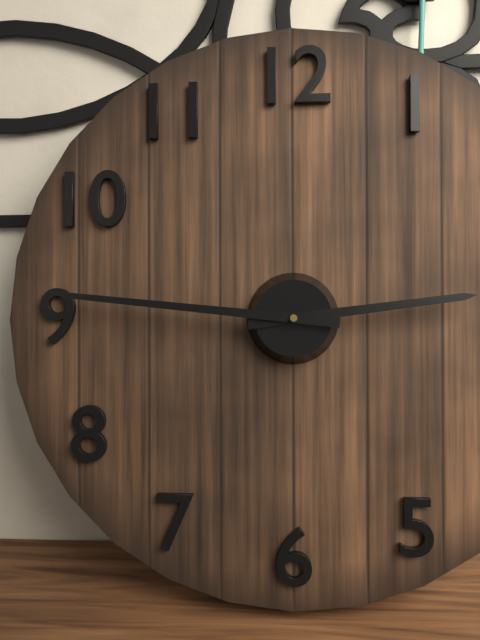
h=2 m=46
